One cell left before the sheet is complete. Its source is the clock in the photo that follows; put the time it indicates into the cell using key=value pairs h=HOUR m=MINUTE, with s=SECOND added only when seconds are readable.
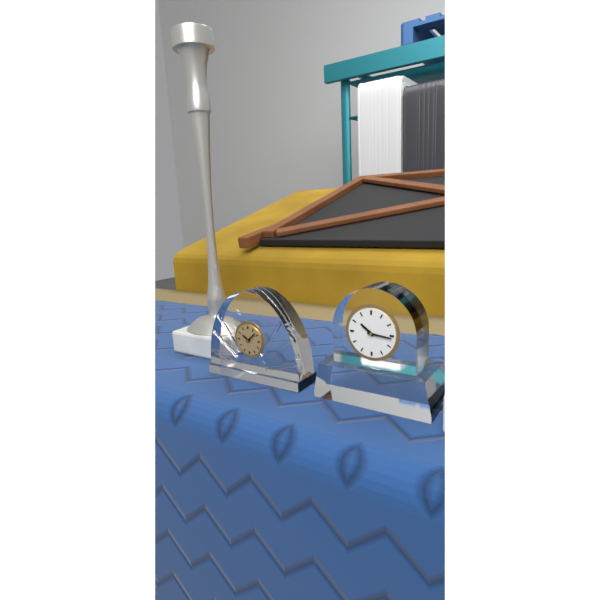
h=10 m=16
